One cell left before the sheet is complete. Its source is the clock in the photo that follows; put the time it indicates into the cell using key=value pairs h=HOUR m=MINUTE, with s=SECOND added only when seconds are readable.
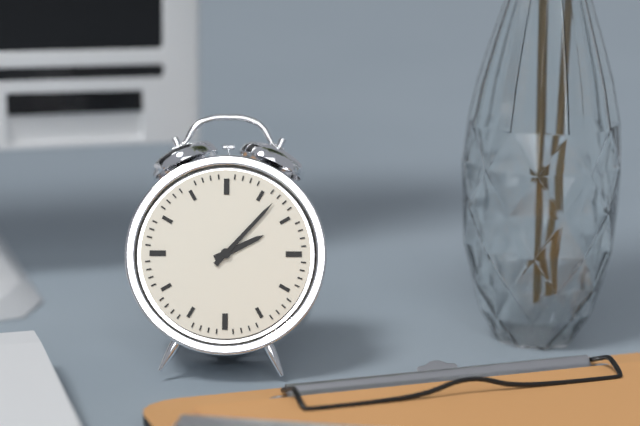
h=2 m=7
